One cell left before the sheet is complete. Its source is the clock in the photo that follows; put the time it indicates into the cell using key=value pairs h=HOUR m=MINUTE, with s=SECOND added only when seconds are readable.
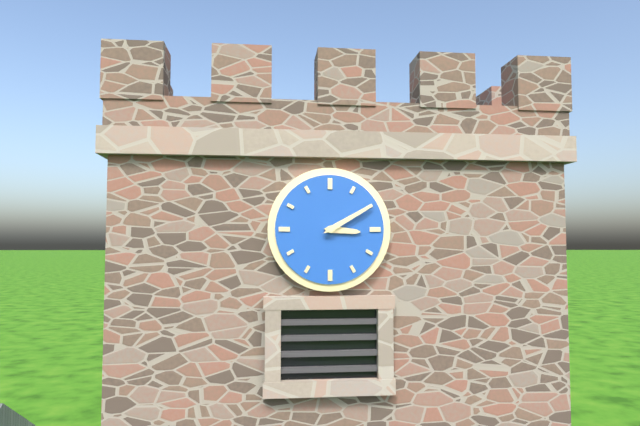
h=3 m=10
